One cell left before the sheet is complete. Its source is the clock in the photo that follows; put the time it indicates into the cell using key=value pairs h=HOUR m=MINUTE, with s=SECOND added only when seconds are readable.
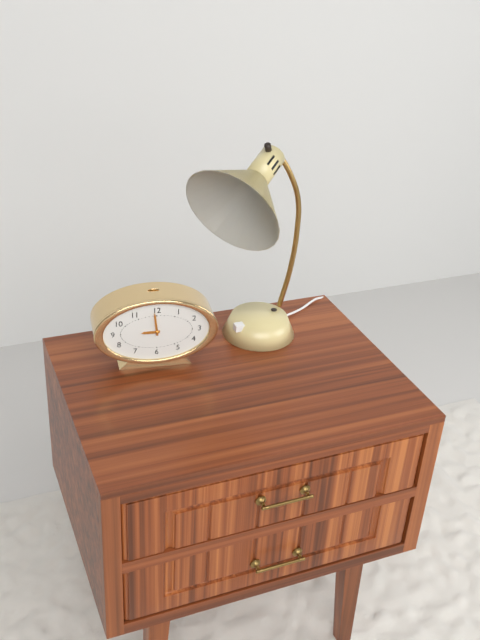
h=8 m=59
